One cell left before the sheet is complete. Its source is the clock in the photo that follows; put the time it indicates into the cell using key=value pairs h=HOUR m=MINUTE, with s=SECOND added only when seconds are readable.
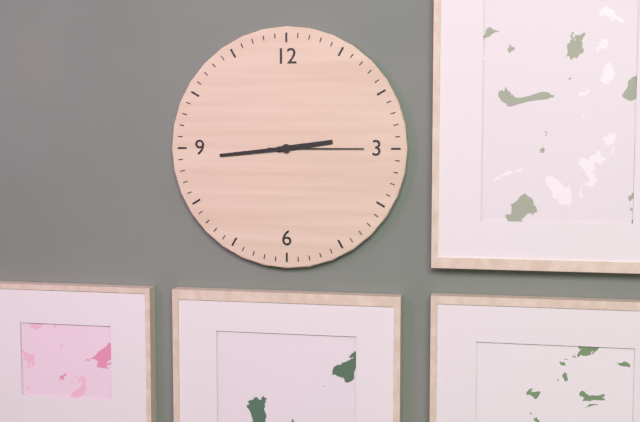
h=2 m=44 s=15
